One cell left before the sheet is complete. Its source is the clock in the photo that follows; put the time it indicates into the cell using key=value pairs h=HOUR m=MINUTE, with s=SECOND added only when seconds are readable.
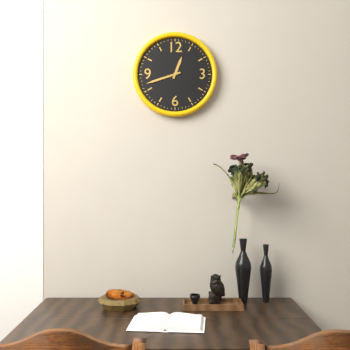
h=12 m=42
